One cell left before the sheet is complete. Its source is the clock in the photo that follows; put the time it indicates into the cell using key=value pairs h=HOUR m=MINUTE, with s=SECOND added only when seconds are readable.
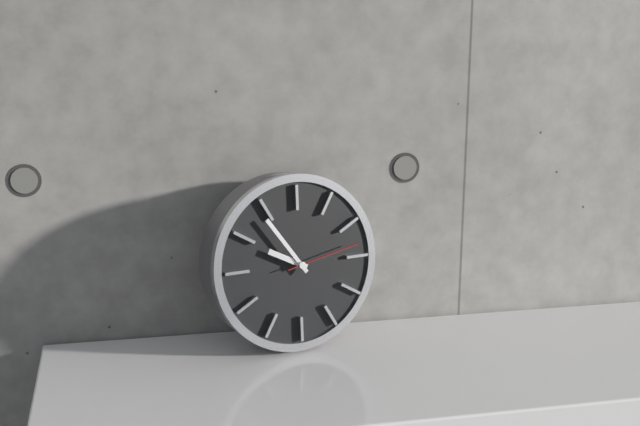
h=9 m=54 s=13
